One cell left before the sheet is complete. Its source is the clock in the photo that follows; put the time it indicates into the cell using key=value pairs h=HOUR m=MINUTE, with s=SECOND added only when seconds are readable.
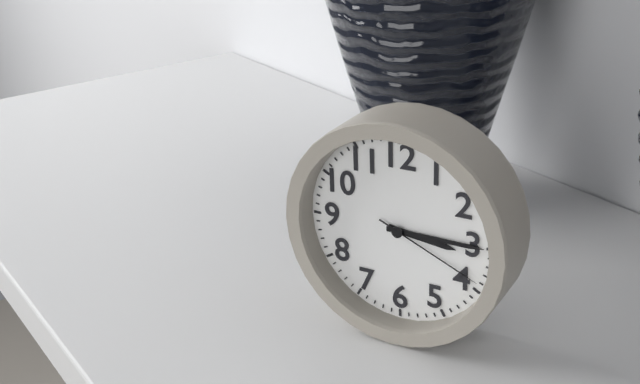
h=3 m=15 s=19
